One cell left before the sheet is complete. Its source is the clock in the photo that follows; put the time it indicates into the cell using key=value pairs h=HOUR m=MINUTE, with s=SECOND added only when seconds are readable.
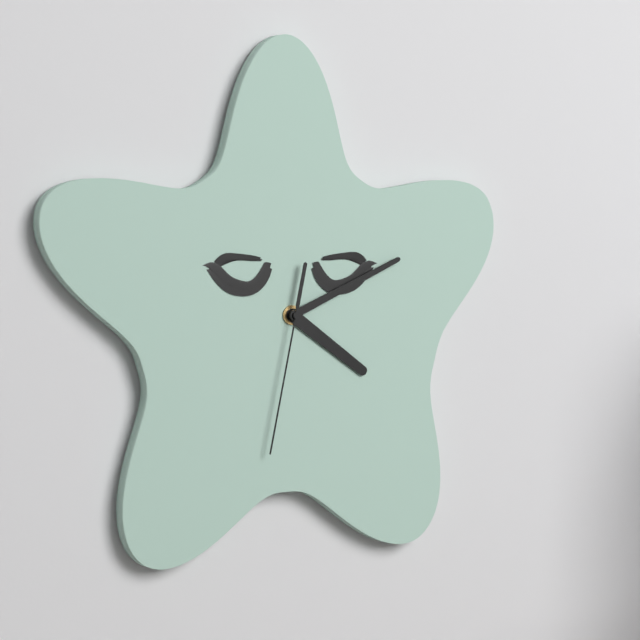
h=4 m=11 s=32
